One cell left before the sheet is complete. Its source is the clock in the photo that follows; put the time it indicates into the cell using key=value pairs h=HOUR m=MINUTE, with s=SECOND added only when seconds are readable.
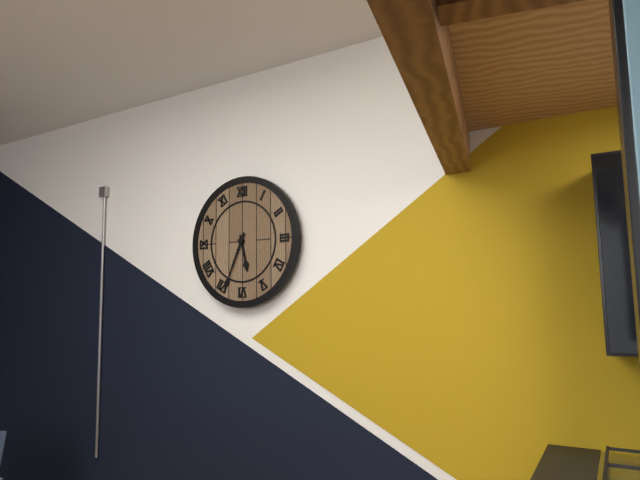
h=5 m=34
